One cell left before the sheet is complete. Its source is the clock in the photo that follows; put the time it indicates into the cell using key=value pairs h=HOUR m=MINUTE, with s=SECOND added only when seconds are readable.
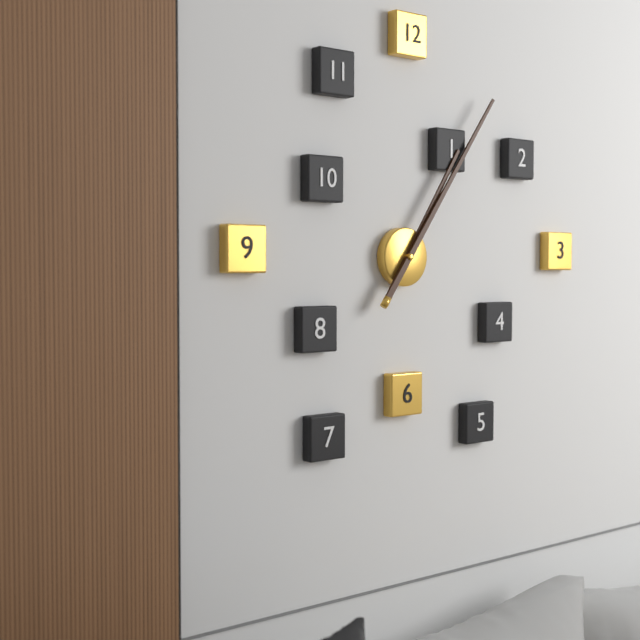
h=1 m=6
